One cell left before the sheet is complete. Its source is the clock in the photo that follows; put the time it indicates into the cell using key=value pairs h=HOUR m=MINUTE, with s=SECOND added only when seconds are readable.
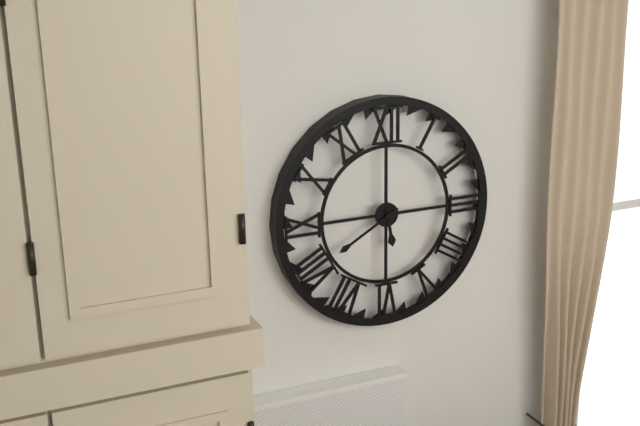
h=5 m=40
